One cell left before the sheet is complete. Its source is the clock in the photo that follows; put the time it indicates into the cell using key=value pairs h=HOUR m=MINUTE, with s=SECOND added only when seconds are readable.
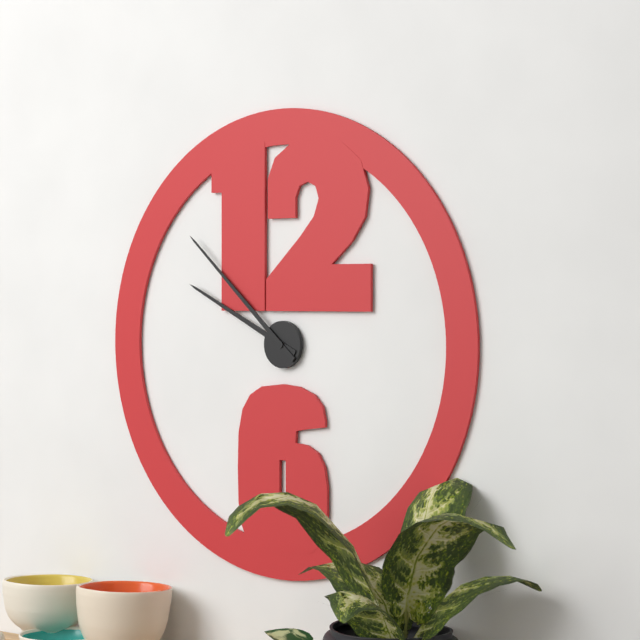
h=9 m=52
